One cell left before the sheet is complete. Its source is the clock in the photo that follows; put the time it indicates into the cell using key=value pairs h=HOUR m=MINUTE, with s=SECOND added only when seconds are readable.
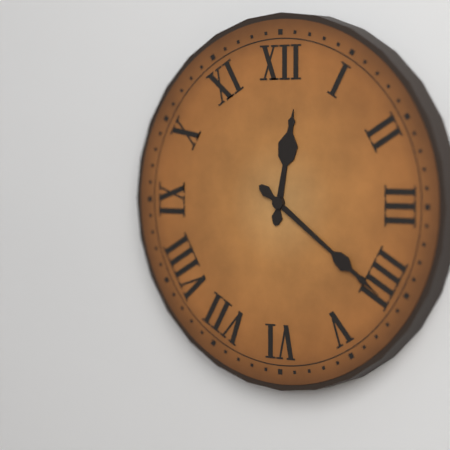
h=12 m=21
